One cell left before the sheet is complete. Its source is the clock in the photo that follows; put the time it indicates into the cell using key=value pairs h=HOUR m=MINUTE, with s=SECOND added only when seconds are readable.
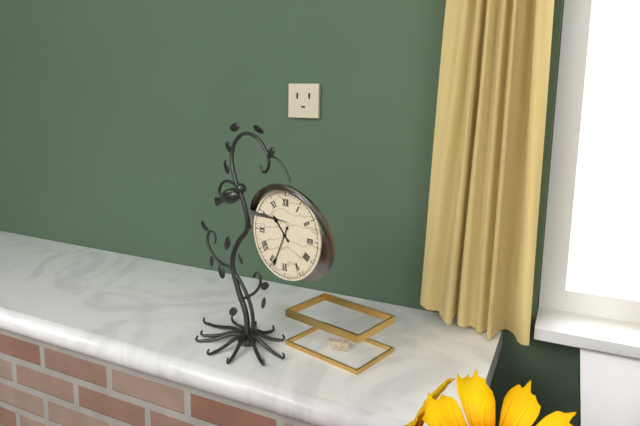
h=10 m=34
